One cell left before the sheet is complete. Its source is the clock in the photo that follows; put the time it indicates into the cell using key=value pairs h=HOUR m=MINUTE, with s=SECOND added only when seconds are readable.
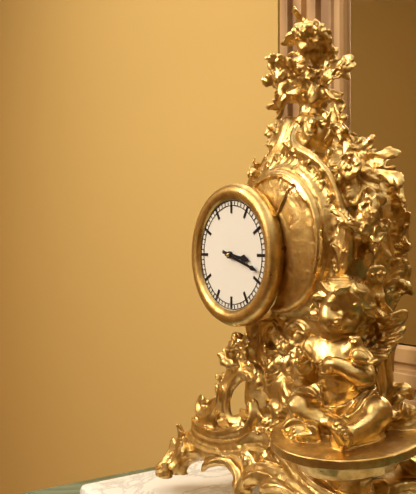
h=3 m=18
